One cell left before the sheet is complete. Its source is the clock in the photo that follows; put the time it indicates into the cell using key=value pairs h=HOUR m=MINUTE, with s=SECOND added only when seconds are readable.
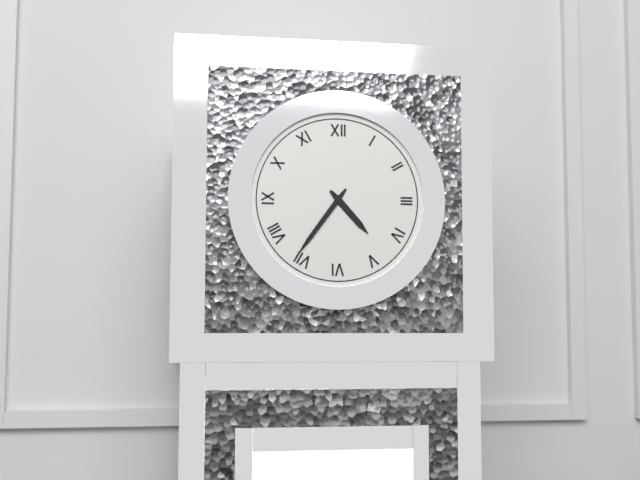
h=4 m=36
